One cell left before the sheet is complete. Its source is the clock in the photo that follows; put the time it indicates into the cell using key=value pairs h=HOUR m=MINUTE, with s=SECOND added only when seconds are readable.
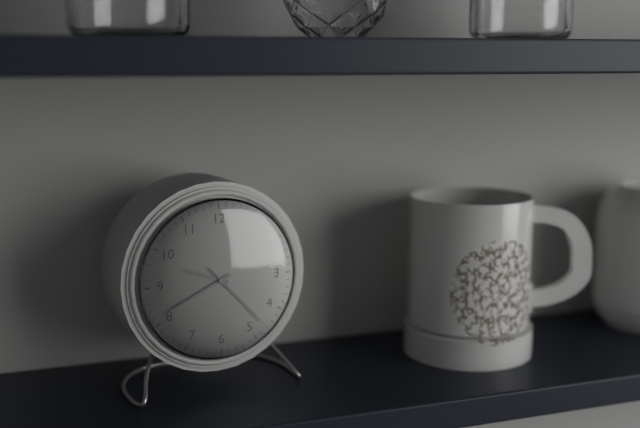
h=9 m=41 s=23
